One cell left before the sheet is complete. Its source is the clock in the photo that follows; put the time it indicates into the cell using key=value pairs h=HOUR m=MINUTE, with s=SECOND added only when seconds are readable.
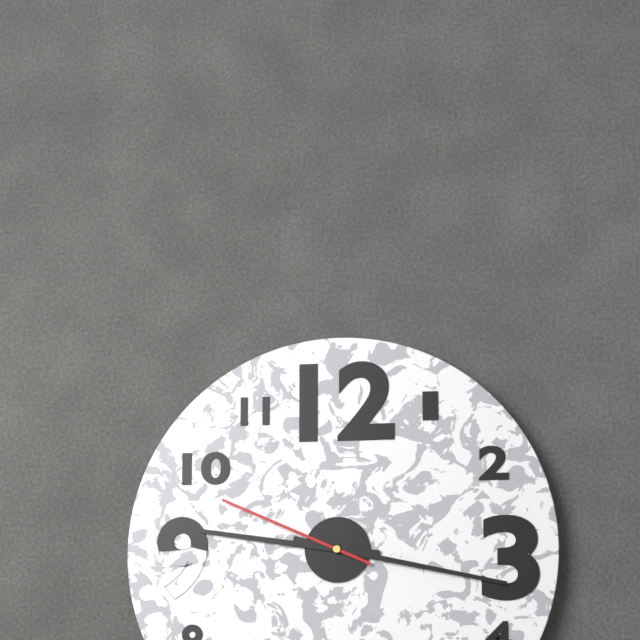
h=9 m=17 s=49
